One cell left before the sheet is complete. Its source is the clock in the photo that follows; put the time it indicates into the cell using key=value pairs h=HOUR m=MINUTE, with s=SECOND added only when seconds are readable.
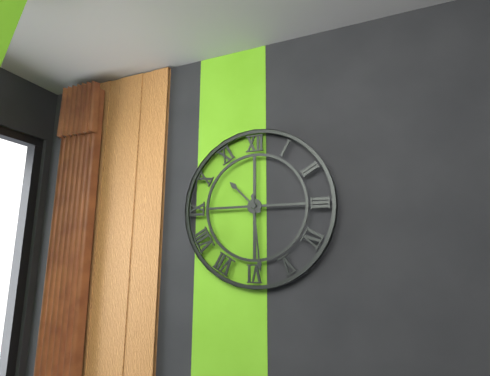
h=10 m=29
